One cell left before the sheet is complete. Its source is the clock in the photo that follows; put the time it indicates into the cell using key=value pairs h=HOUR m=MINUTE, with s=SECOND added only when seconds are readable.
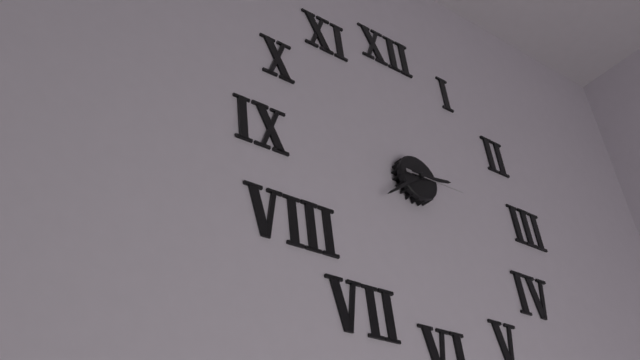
h=2 m=39 s=15
